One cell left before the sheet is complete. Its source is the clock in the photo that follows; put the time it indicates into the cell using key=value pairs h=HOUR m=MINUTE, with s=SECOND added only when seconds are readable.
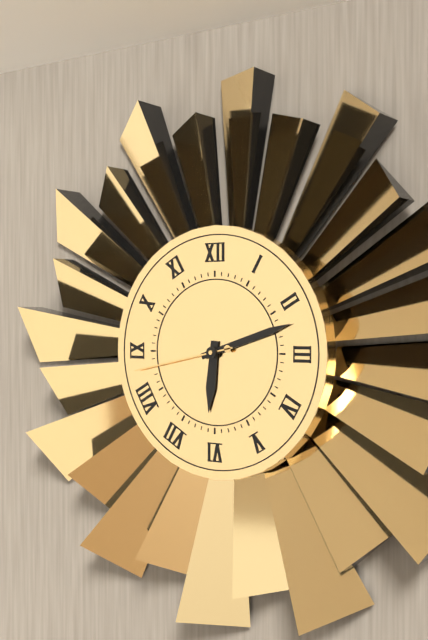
h=6 m=12 s=43
